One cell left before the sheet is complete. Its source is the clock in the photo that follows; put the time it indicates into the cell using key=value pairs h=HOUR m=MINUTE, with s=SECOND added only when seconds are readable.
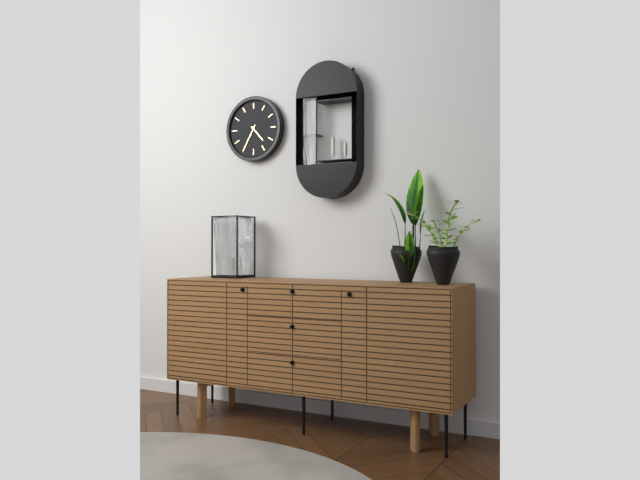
h=4 m=35
